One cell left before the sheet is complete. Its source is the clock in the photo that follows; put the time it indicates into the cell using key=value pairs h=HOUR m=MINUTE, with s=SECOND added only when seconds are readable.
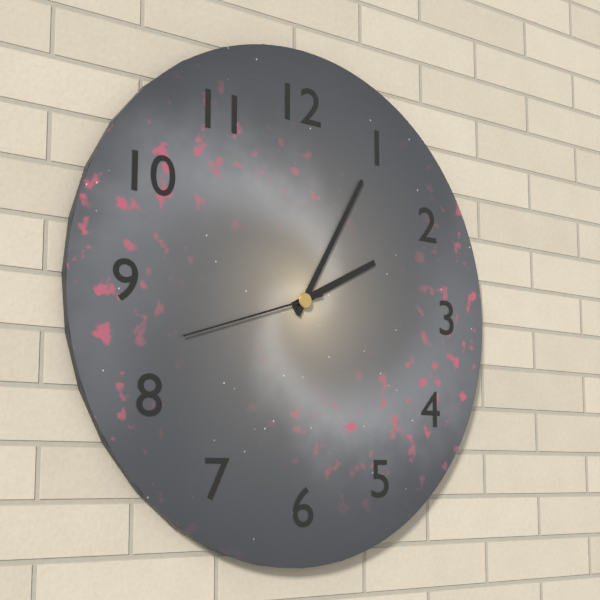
h=2 m=5 s=42
